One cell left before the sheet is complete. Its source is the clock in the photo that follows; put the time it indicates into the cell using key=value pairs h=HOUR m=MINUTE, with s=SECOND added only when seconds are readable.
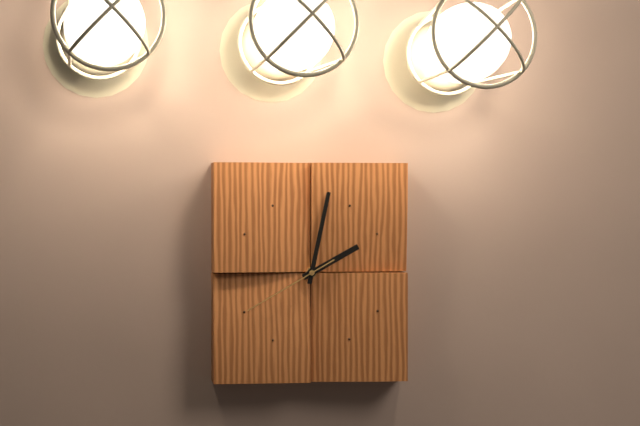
h=2 m=2 s=40
